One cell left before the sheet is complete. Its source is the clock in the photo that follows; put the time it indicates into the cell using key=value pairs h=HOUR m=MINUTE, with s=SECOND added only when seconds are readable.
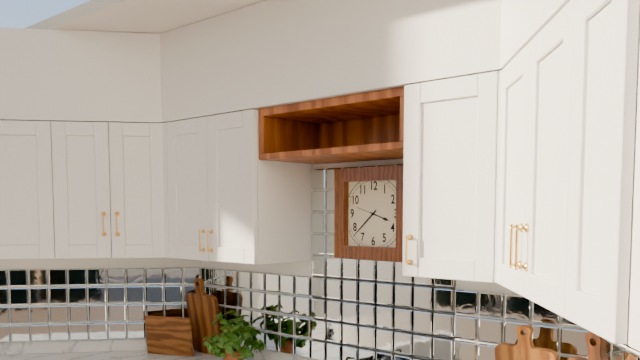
h=3 m=38
